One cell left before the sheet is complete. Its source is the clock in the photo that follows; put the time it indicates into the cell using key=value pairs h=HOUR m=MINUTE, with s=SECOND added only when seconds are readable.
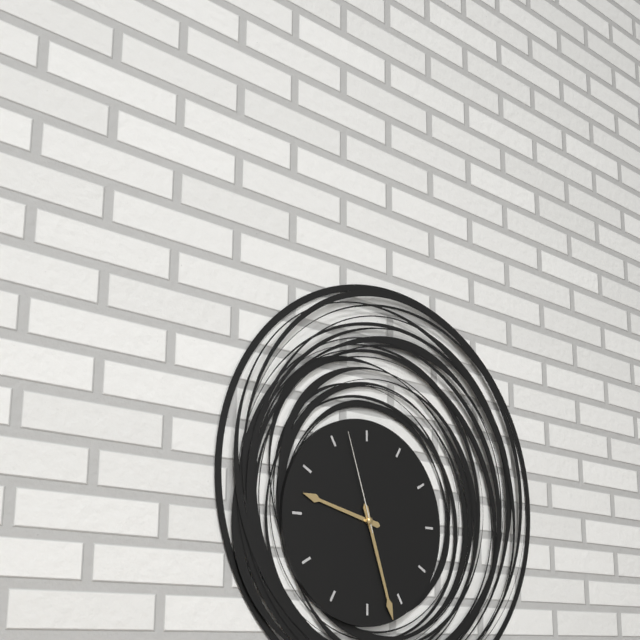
h=9 m=27 s=57
